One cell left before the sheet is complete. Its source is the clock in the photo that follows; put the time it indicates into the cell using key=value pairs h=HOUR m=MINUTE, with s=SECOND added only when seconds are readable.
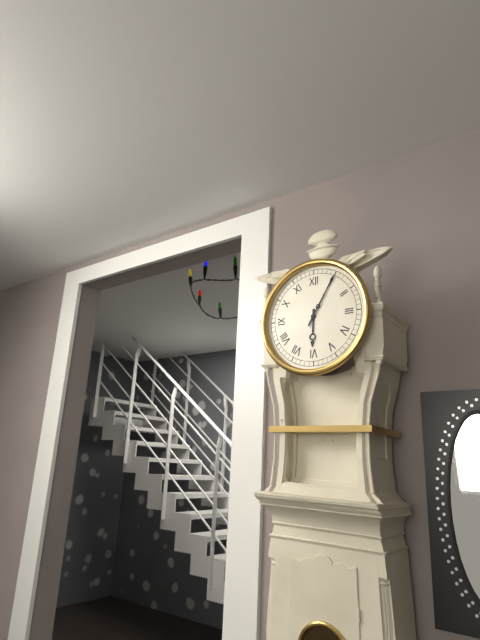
h=6 m=5
